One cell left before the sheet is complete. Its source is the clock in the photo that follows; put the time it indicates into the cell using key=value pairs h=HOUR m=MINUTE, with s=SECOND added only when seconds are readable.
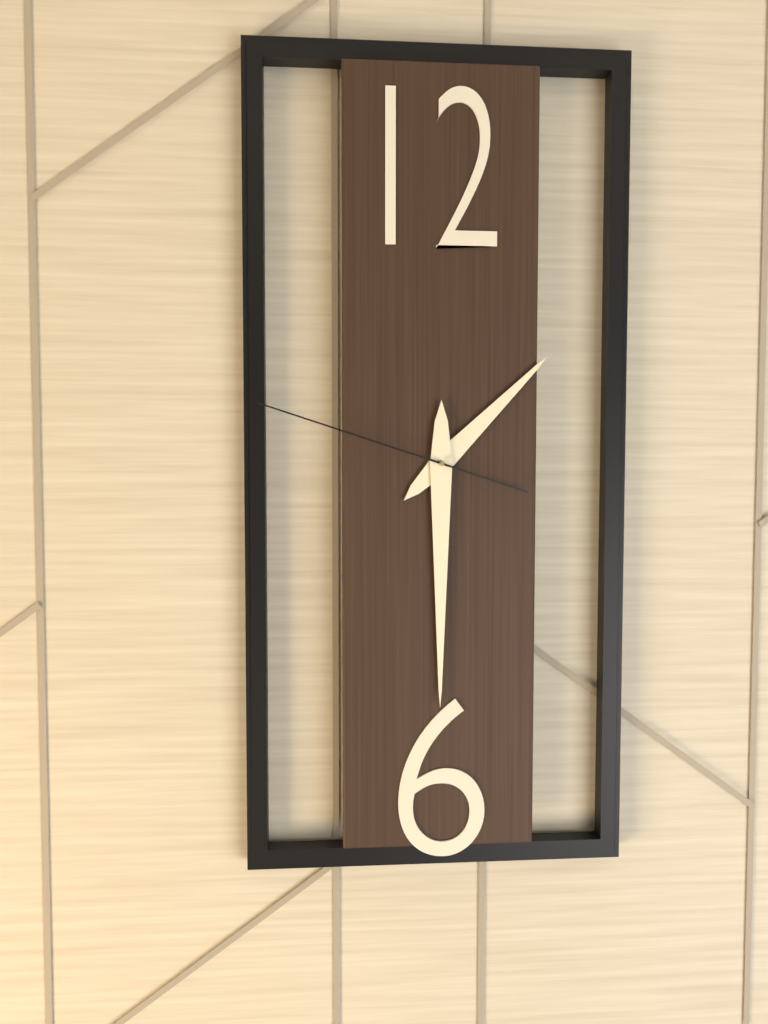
h=1 m=30 s=48
